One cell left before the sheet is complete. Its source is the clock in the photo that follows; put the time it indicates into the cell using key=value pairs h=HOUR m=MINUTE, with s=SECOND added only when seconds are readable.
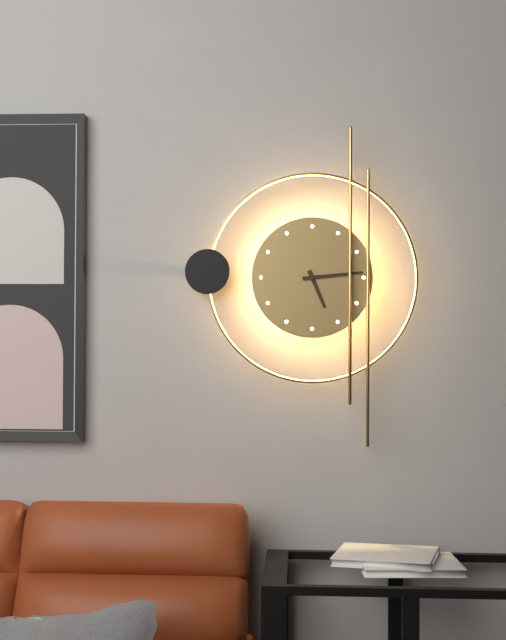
h=5 m=14
